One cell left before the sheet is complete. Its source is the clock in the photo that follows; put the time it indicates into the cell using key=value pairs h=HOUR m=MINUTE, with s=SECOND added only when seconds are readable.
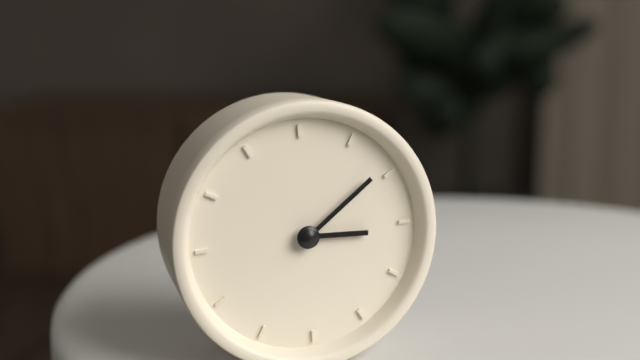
h=3 m=9
